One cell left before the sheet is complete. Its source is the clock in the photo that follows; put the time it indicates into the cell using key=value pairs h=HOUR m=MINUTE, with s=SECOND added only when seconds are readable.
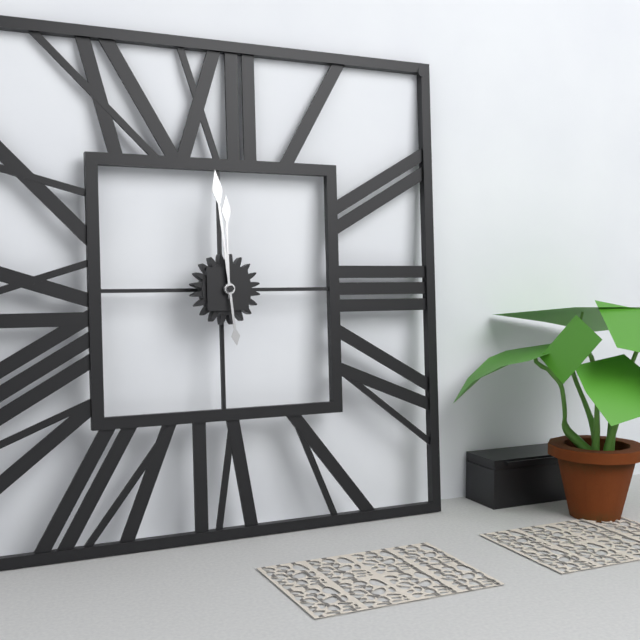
h=11 m=59
